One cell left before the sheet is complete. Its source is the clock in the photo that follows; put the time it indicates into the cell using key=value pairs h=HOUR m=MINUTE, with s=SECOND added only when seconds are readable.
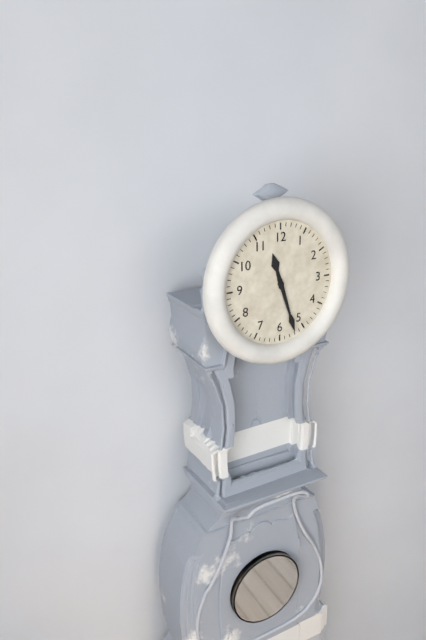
h=11 m=27
